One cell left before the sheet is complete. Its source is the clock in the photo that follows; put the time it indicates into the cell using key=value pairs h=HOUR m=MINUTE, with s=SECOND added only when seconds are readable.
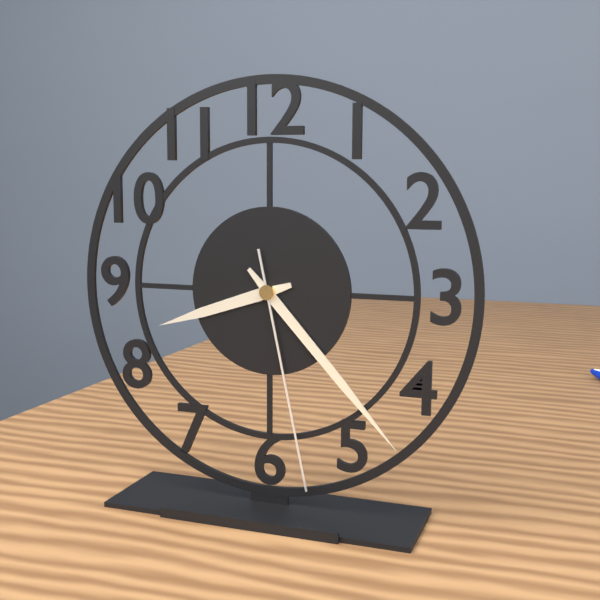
h=8 m=23 s=28
